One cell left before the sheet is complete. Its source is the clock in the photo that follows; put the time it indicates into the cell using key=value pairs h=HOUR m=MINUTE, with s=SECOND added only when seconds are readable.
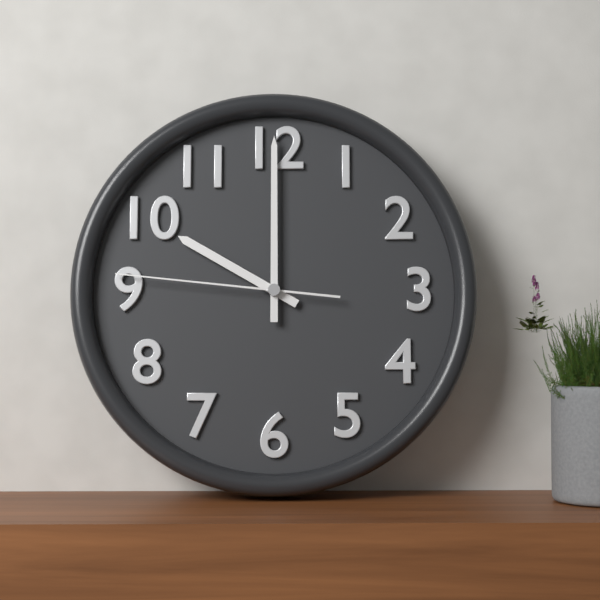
h=10 m=0 s=46
